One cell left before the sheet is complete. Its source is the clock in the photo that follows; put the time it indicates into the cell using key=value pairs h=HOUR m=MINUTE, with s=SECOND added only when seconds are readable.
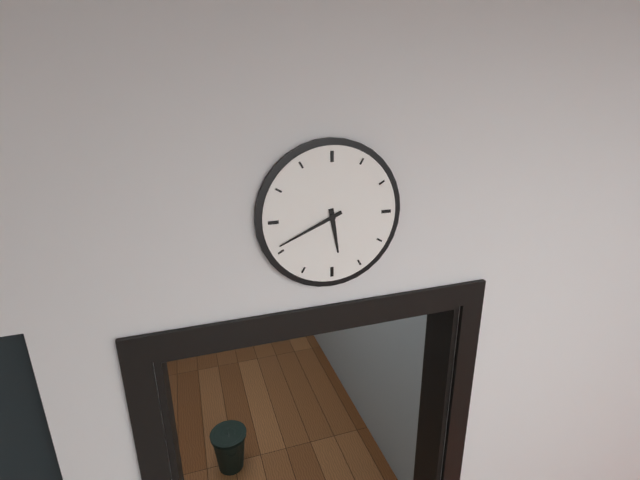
h=5 m=41
